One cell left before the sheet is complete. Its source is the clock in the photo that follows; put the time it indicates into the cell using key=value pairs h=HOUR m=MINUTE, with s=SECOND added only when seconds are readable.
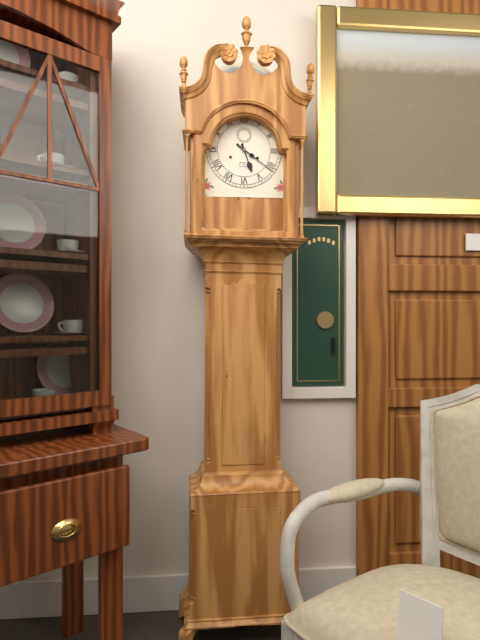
h=5 m=21
